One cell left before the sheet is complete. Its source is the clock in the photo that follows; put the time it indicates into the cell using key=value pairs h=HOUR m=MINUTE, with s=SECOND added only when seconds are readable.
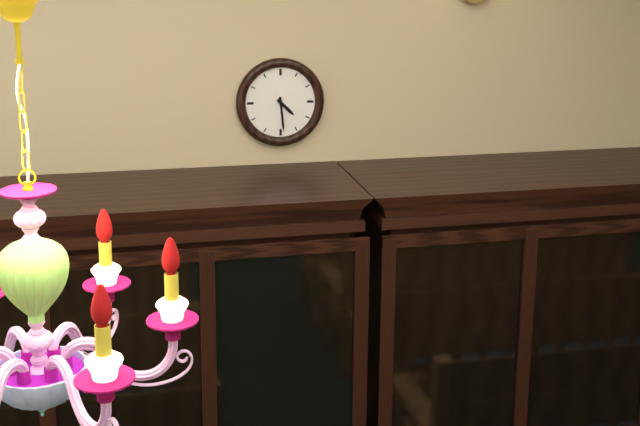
h=4 m=29
